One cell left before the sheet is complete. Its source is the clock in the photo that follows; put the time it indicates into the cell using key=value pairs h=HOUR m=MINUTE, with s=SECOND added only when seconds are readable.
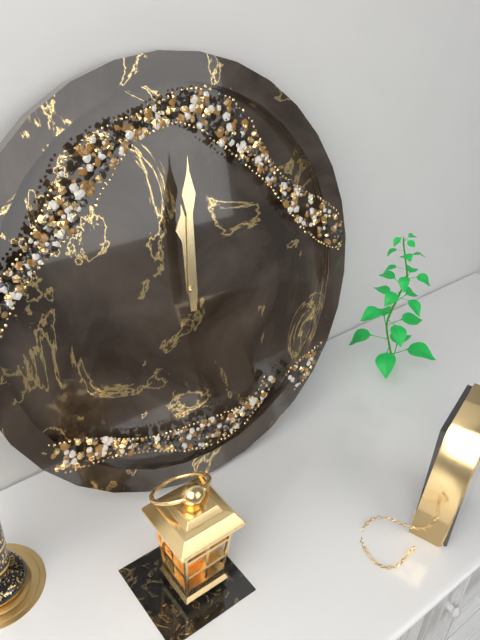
h=12 m=1
